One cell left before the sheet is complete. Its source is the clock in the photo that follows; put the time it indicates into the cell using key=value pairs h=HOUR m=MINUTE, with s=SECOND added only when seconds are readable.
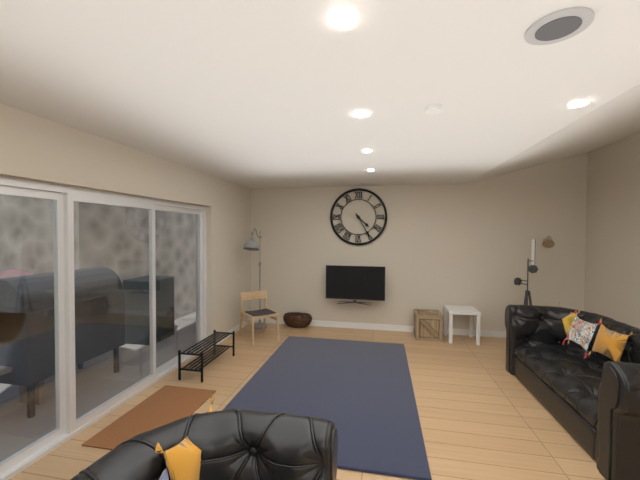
h=4 m=25
